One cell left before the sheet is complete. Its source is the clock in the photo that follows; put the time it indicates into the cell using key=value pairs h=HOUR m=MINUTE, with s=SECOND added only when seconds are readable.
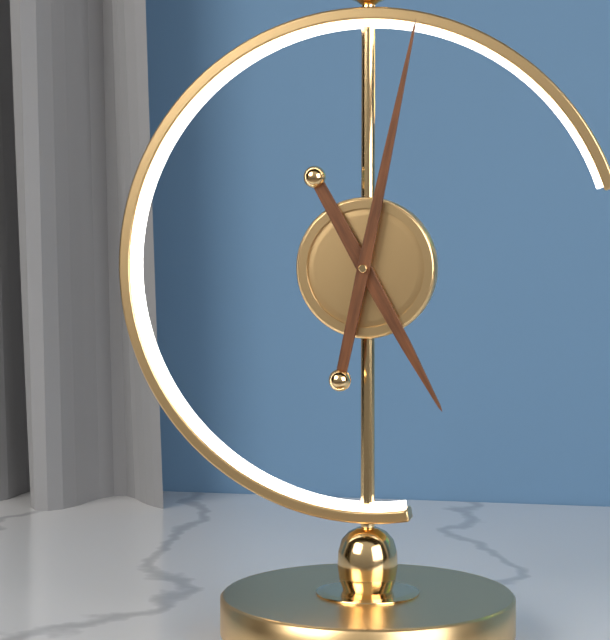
h=5 m=2
